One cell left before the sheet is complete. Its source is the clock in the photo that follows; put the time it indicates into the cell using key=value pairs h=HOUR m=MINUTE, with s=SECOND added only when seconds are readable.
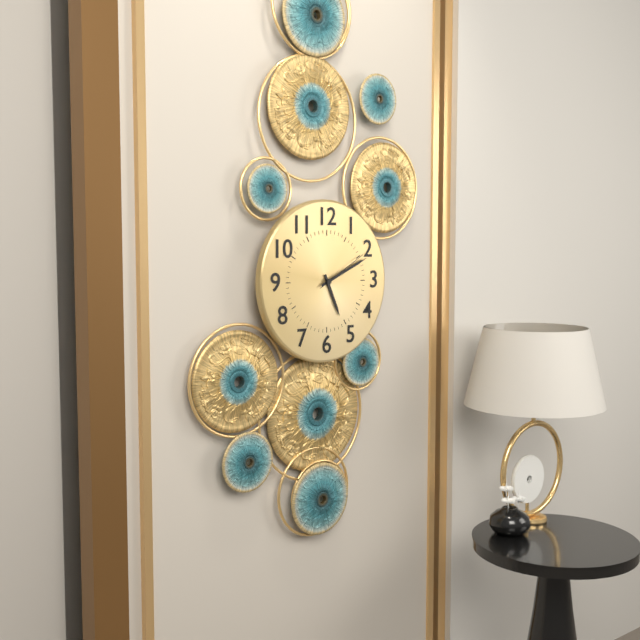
h=5 m=11 s=10
